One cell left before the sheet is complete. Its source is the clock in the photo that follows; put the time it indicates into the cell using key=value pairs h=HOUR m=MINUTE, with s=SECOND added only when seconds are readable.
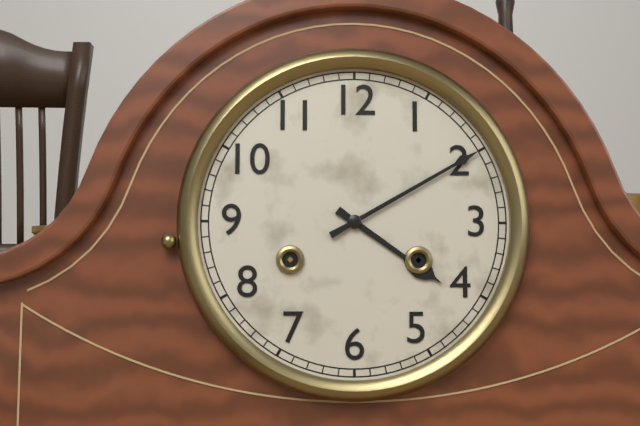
h=4 m=10
